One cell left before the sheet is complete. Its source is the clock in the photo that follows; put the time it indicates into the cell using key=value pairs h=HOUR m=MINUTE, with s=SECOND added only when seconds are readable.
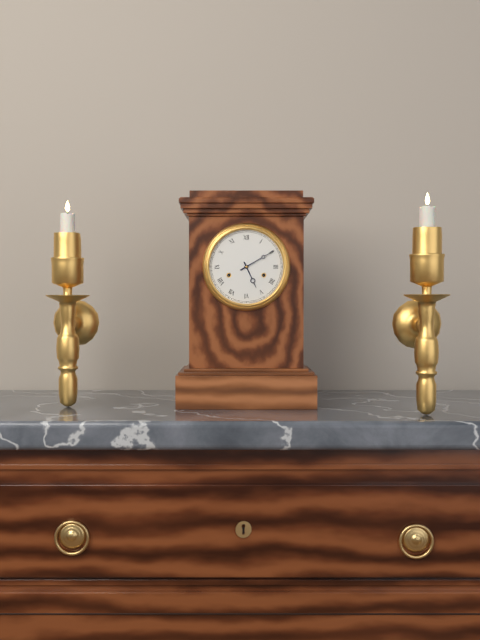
h=5 m=10
